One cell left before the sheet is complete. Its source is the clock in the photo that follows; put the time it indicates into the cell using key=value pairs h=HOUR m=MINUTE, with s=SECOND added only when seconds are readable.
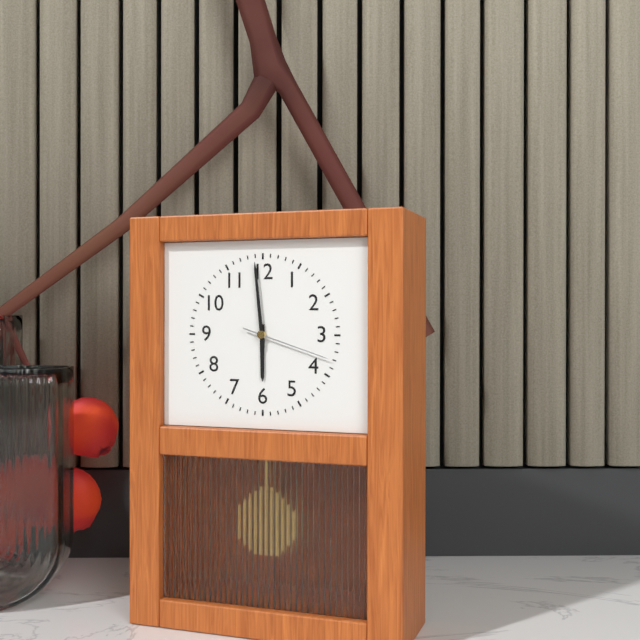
h=5 m=59 s=18
